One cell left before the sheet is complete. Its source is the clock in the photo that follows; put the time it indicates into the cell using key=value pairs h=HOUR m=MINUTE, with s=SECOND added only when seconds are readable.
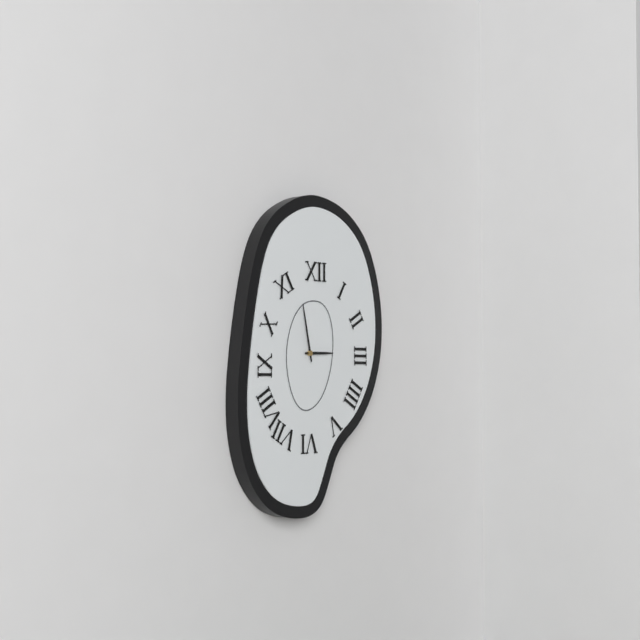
h=2 m=58
